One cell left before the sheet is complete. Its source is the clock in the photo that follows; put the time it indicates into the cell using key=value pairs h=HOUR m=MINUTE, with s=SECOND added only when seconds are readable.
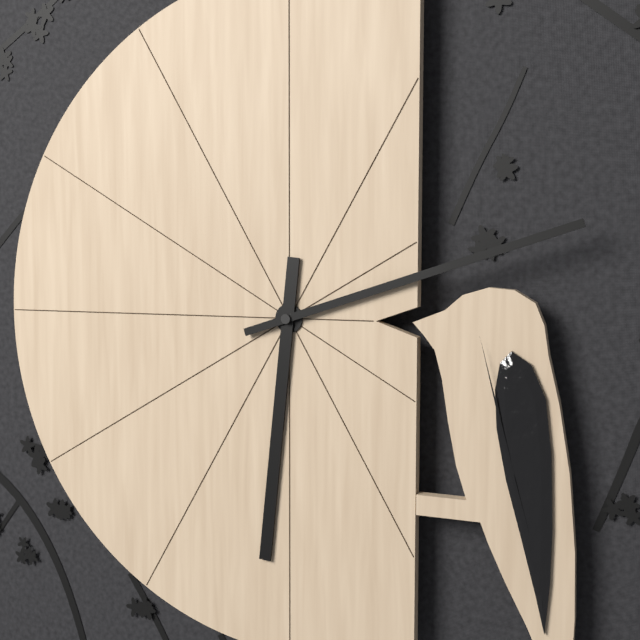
h=6 m=12
